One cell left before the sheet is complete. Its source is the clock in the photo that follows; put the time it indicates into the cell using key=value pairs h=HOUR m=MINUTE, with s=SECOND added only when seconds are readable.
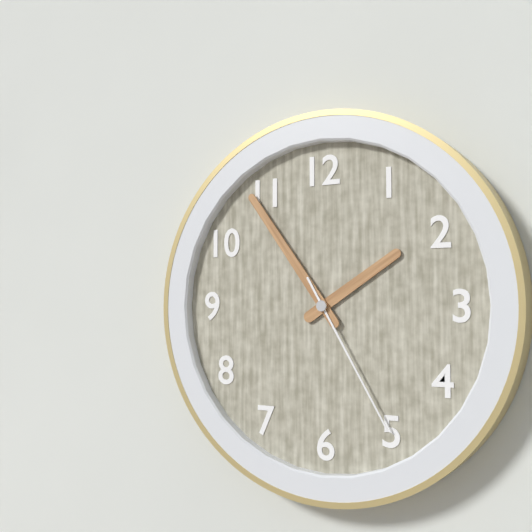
h=1 m=54 s=25
